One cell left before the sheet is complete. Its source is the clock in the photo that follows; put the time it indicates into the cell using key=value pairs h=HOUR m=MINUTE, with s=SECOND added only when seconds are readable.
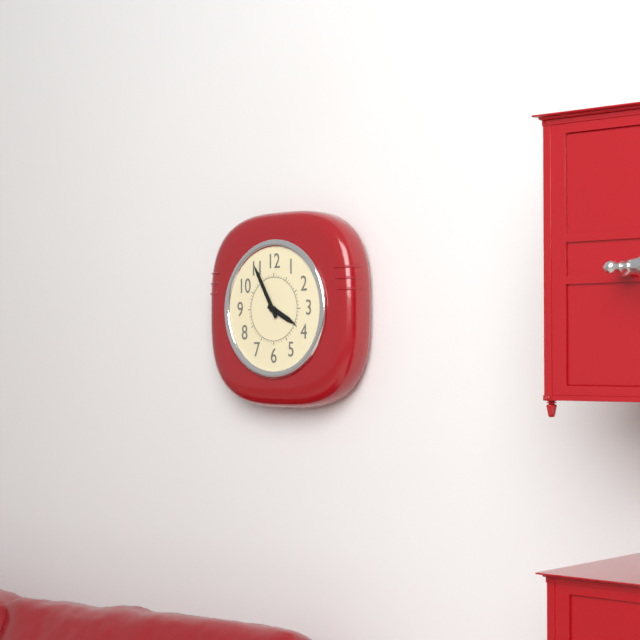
h=3 m=55
